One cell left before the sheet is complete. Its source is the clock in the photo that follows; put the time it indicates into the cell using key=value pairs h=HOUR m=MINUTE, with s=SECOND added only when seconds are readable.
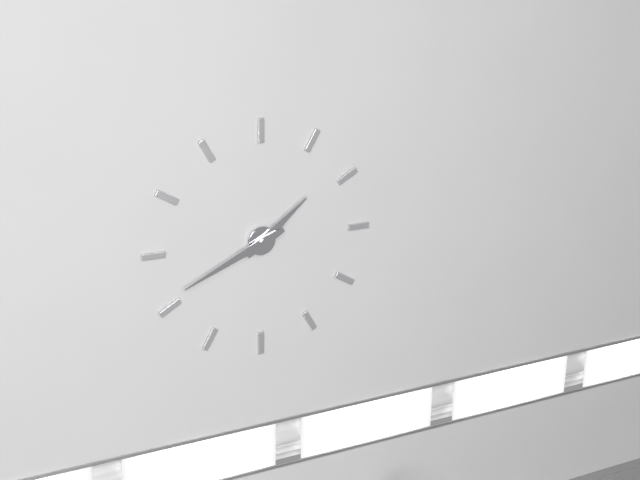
h=1 m=41
